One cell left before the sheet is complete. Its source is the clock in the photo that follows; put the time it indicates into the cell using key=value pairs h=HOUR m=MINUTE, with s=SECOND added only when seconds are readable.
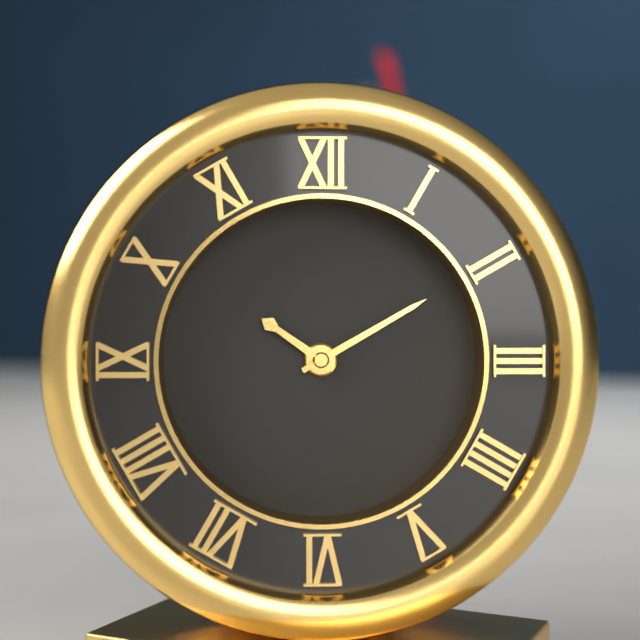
h=10 m=10
